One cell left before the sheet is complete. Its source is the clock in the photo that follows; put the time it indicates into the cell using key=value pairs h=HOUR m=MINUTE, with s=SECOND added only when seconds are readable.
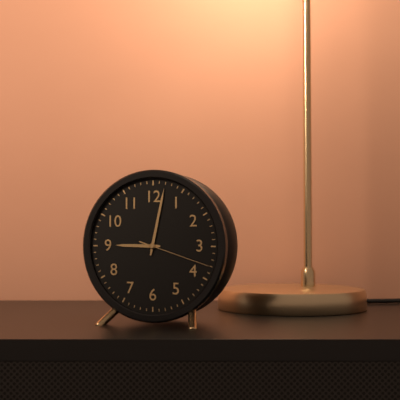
h=9 m=2 s=18
